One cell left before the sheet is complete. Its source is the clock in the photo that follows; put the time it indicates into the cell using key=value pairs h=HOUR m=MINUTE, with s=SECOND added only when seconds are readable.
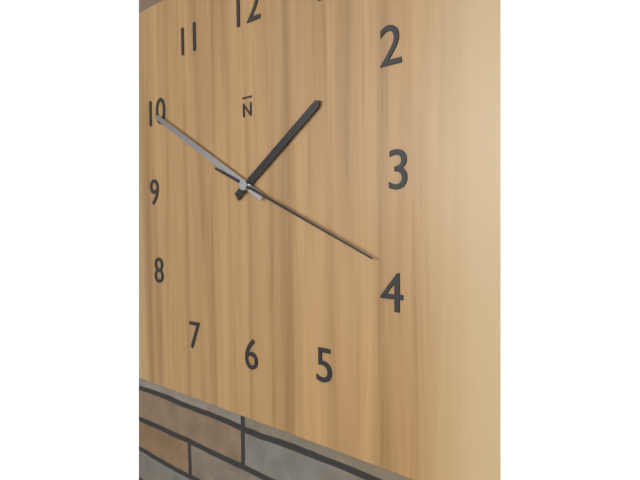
h=1 m=50 s=19
